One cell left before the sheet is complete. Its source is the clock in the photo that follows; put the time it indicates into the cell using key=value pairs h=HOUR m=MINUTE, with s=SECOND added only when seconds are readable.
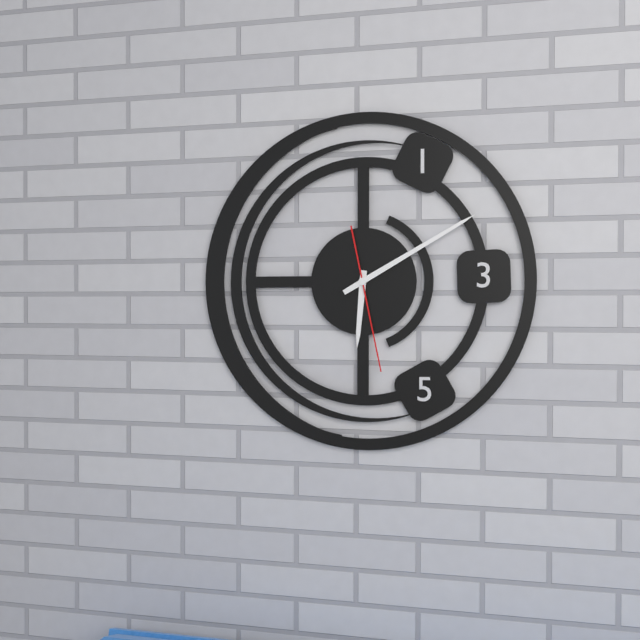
h=6 m=10 s=28
